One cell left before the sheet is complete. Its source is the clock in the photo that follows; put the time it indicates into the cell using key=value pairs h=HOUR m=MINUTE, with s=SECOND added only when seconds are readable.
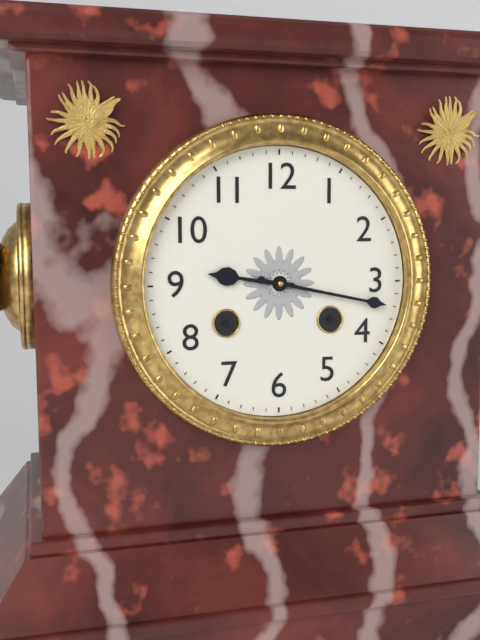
h=9 m=17
